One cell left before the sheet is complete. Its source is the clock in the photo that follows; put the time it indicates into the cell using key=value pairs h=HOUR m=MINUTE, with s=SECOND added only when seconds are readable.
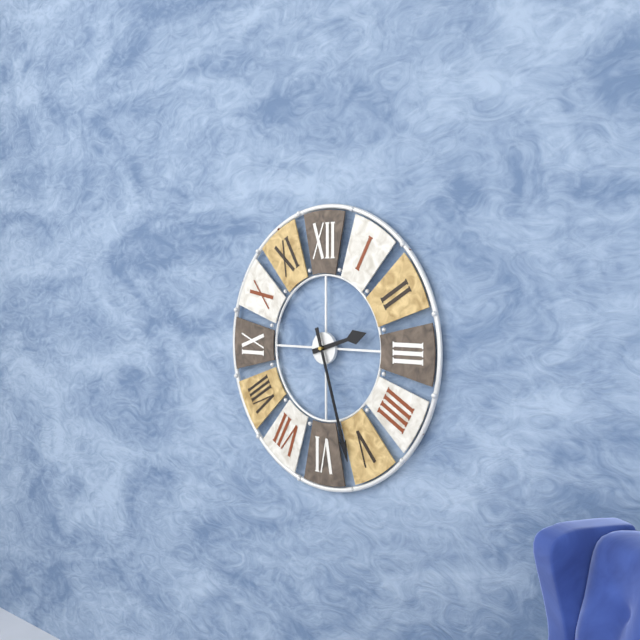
h=2 m=27
